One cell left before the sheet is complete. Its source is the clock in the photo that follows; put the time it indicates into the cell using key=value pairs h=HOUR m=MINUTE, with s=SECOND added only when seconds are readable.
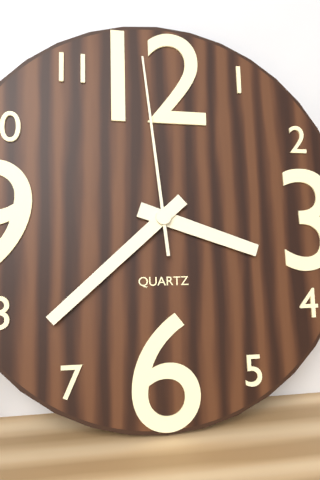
h=3 m=38 s=59
